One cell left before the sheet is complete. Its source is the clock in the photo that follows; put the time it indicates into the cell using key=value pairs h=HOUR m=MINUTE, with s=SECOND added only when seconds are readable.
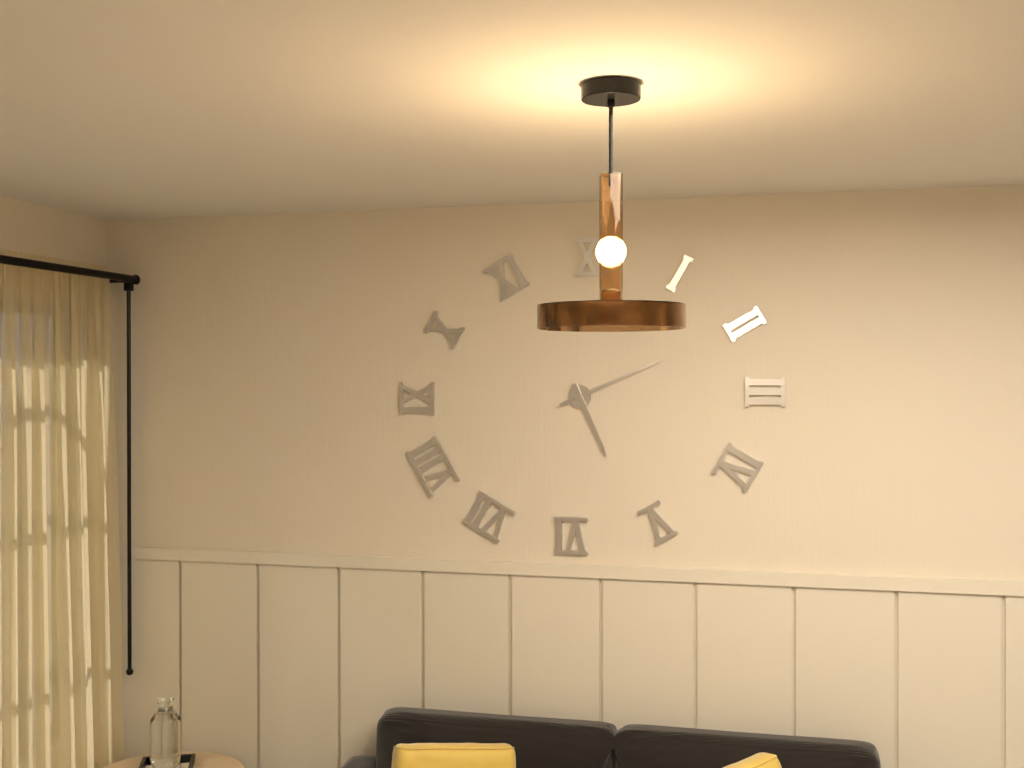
h=5 m=11
